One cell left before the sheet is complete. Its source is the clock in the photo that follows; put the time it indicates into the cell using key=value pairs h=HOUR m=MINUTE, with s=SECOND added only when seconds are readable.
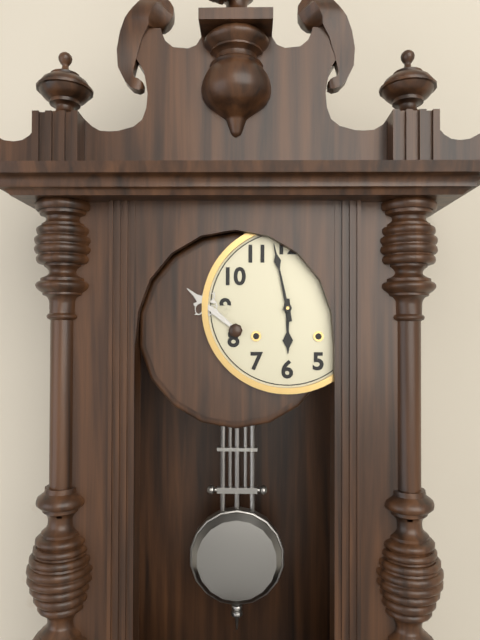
h=5 m=58
